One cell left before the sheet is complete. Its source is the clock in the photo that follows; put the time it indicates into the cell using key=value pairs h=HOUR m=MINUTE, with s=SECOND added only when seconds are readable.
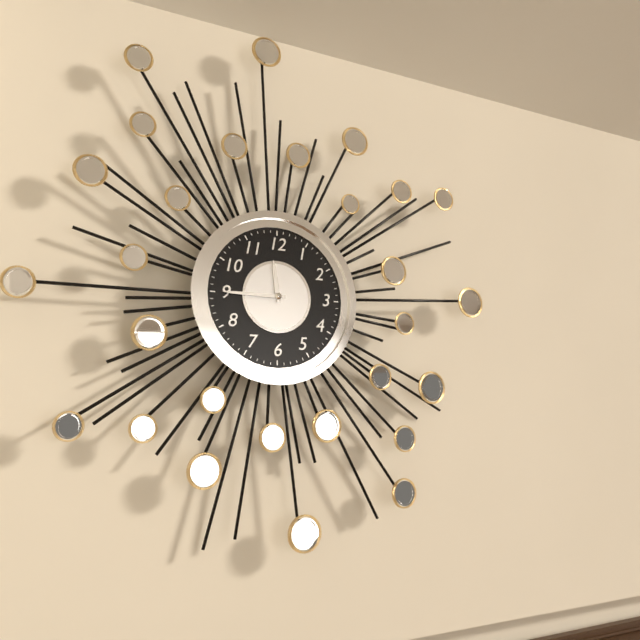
h=11 m=45
